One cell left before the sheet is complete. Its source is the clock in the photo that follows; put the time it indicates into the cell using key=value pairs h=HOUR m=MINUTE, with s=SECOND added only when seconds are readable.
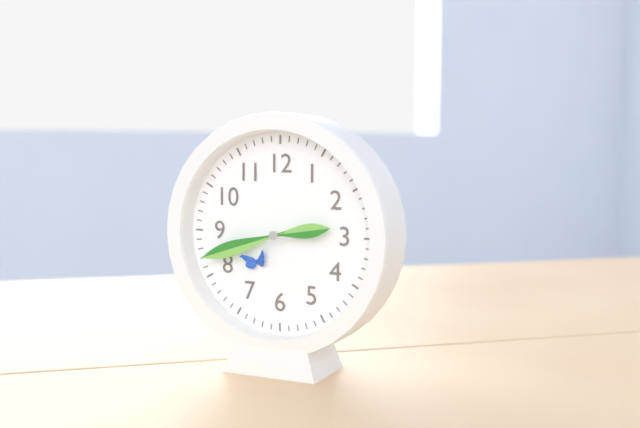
h=2 m=42
